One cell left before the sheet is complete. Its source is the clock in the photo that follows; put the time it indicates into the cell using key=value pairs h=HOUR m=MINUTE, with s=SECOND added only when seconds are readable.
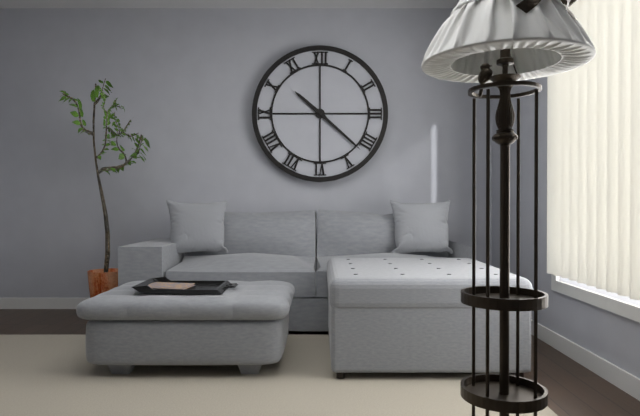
h=10 m=22
